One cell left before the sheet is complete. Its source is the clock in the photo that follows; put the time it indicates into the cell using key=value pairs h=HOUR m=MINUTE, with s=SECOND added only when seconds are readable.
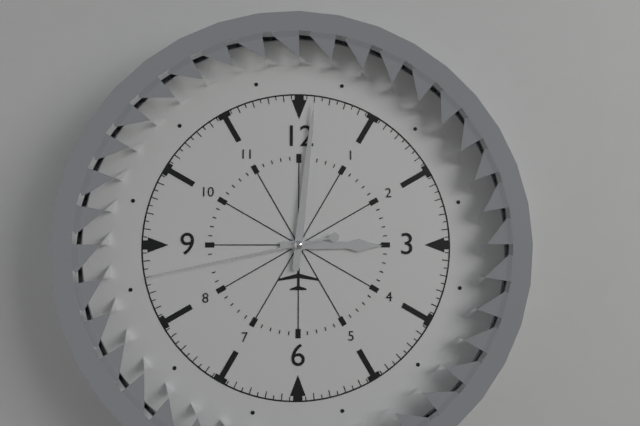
h=3 m=1 s=43
